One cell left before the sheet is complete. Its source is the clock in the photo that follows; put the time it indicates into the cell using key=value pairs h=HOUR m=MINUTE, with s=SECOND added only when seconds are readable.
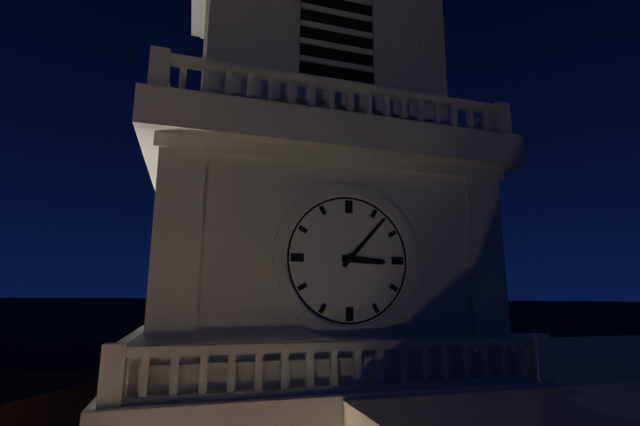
h=3 m=7
